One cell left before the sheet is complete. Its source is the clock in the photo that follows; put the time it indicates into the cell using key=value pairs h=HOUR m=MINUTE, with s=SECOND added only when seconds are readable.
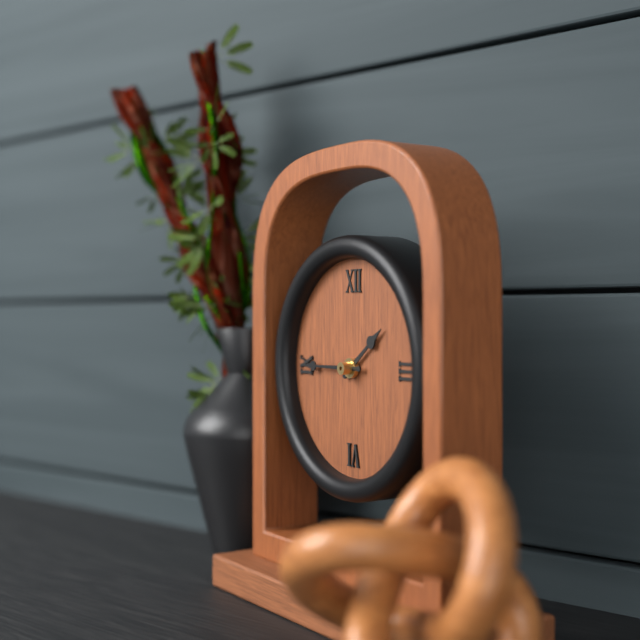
h=1 m=45
